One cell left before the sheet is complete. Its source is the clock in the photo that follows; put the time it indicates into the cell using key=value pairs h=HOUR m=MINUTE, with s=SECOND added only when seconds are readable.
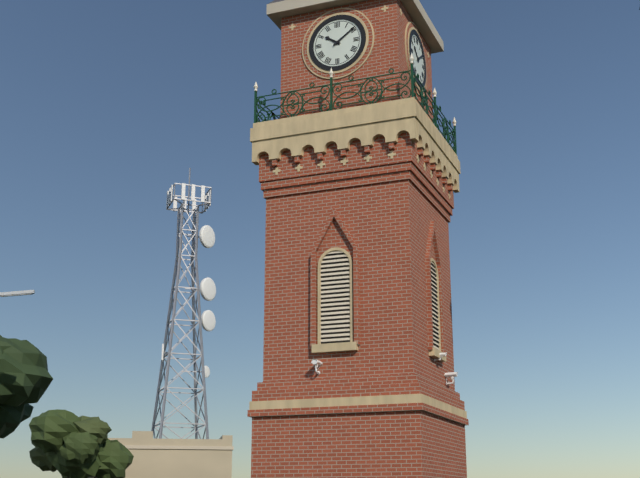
h=10 m=9
